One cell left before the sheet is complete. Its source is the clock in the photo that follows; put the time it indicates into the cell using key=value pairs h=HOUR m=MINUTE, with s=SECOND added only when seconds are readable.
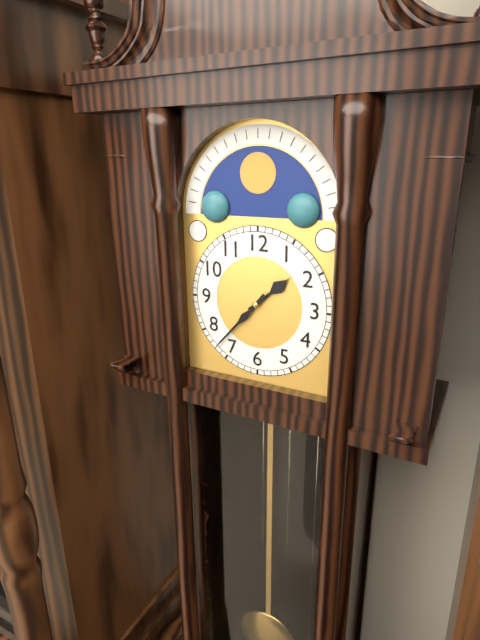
h=1 m=37
